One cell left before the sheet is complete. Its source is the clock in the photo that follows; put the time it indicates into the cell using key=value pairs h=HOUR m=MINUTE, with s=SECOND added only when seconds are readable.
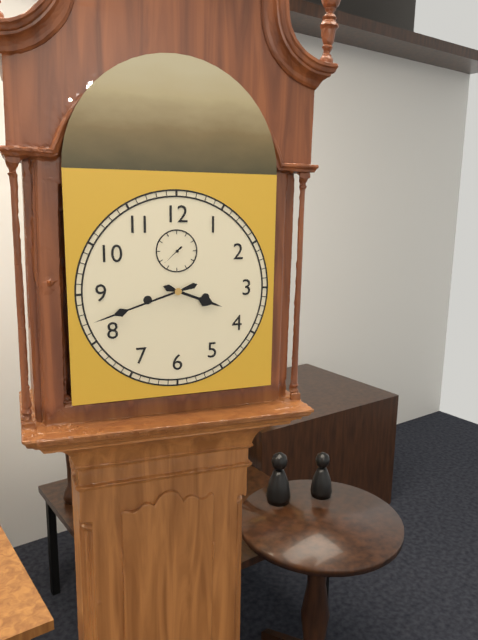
h=3 m=42
